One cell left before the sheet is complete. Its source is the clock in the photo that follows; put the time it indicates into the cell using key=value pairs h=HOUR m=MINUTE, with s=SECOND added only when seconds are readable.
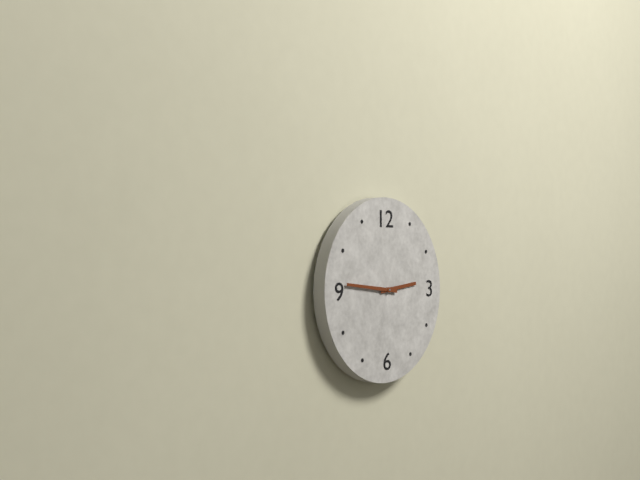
h=2 m=46
